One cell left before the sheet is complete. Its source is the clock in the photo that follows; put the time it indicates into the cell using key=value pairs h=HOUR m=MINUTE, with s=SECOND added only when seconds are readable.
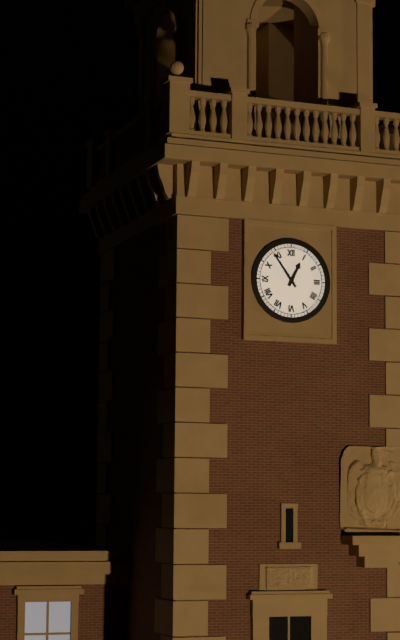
h=12 m=54
